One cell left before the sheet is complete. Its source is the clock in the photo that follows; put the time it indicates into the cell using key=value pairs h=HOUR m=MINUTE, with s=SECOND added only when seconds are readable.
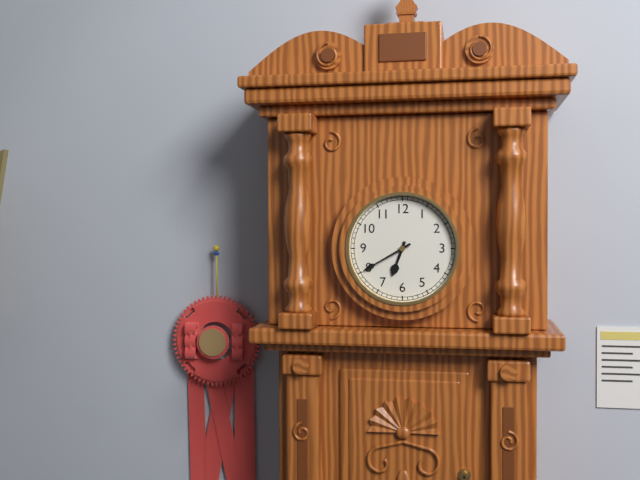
h=6 m=40
